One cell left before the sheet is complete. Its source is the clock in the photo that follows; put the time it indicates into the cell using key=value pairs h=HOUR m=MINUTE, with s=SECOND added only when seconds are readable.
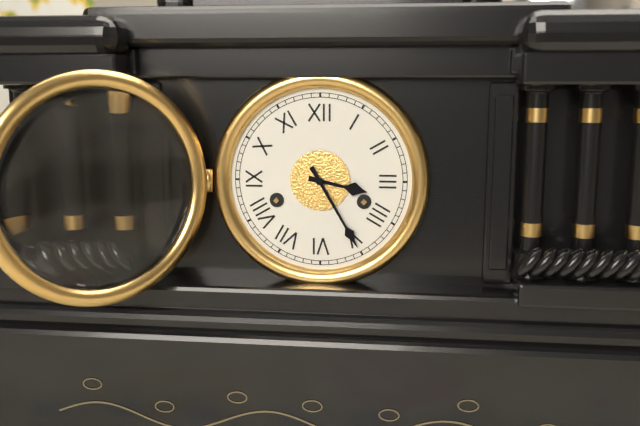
h=3 m=25
